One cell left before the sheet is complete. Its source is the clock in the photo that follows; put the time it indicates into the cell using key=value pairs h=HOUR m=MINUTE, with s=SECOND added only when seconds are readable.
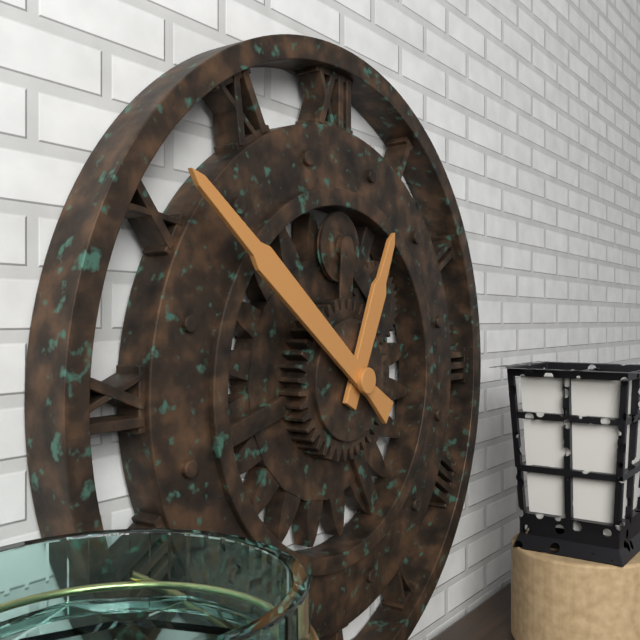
h=12 m=51
